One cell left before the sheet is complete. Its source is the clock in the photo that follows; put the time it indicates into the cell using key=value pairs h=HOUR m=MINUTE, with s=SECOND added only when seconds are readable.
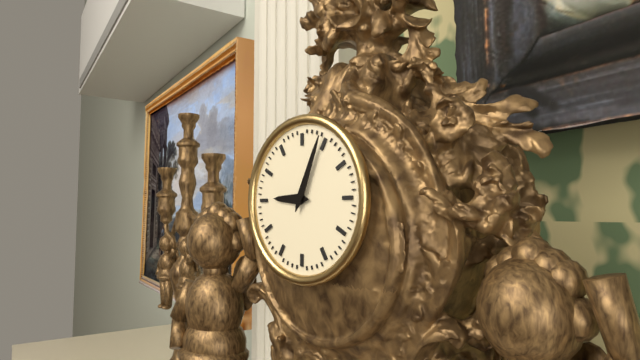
h=9 m=4
